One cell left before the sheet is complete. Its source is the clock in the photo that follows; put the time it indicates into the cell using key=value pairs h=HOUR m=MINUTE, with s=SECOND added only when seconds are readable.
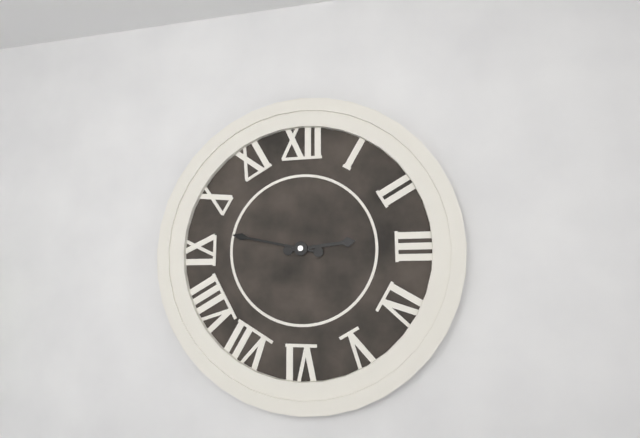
h=2 m=47
